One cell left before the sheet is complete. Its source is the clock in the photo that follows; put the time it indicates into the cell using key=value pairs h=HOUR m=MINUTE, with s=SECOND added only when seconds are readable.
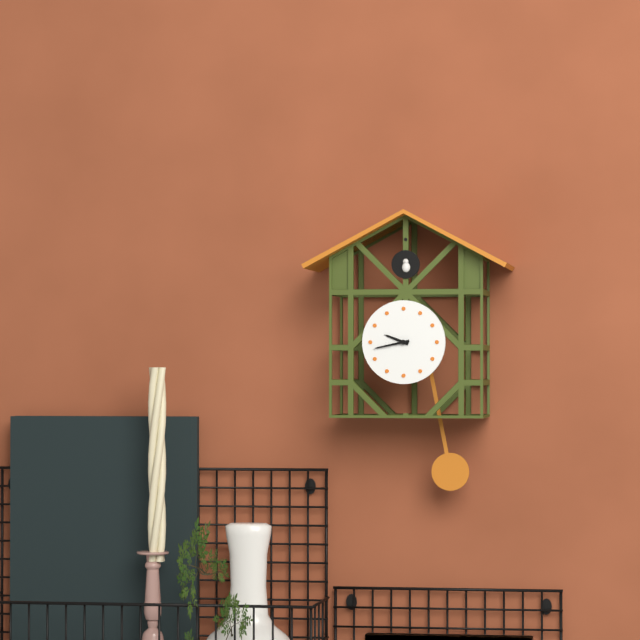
h=9 m=43
